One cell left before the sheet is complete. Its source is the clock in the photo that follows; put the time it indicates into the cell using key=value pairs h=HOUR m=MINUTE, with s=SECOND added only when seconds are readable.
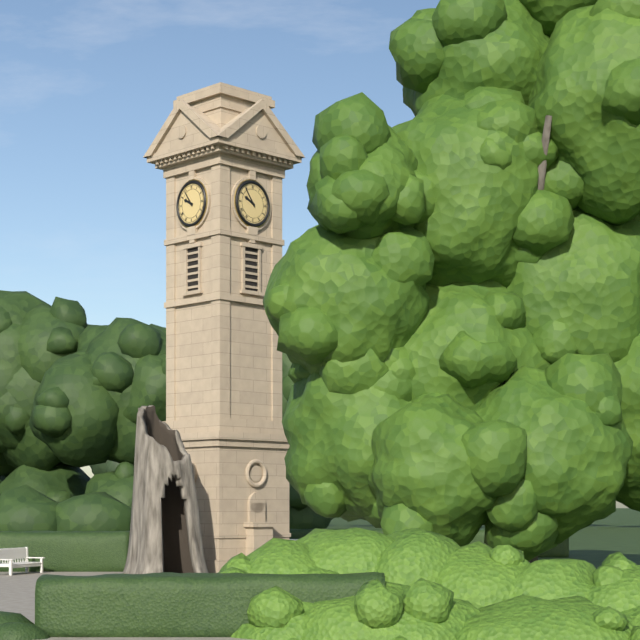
h=9 m=54
